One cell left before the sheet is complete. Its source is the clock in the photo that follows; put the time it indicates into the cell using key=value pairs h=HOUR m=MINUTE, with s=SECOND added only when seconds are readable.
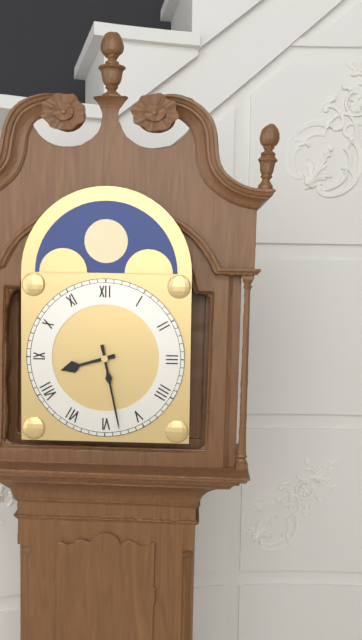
h=8 m=28
